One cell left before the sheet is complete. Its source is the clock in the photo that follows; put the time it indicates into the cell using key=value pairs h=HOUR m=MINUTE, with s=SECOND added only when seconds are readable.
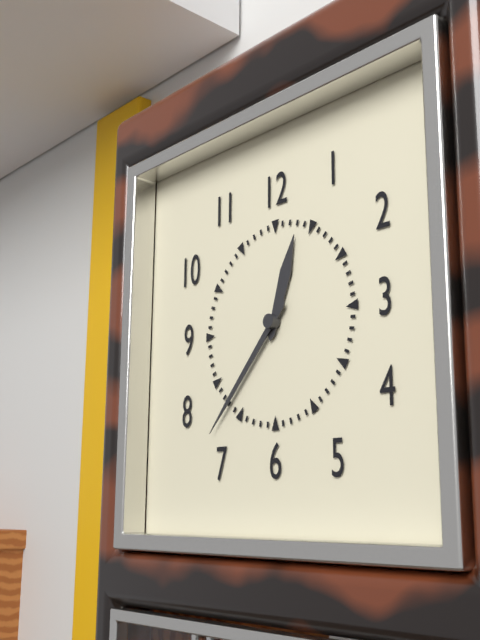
h=12 m=37
